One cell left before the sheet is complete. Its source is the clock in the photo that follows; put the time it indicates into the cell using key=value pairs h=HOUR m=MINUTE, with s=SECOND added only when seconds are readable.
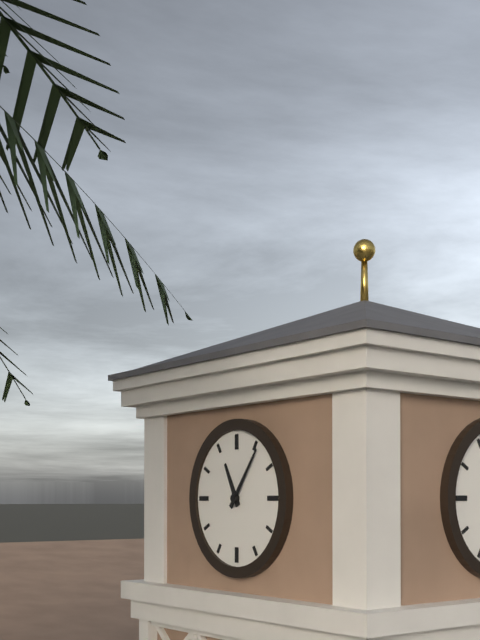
h=11 m=6
